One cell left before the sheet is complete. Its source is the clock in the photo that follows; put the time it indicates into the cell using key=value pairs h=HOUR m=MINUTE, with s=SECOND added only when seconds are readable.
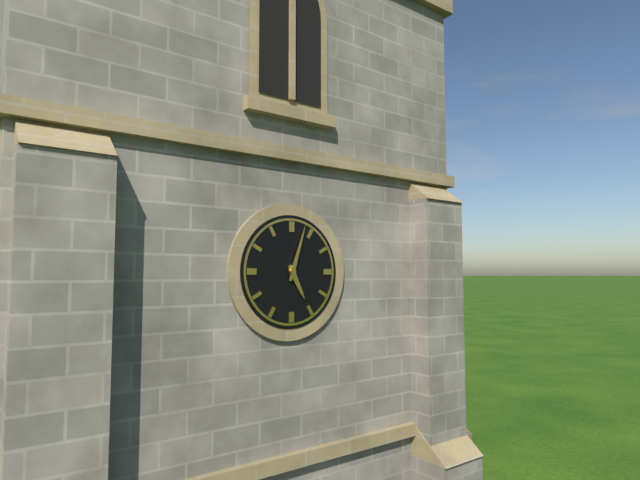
h=5 m=3
